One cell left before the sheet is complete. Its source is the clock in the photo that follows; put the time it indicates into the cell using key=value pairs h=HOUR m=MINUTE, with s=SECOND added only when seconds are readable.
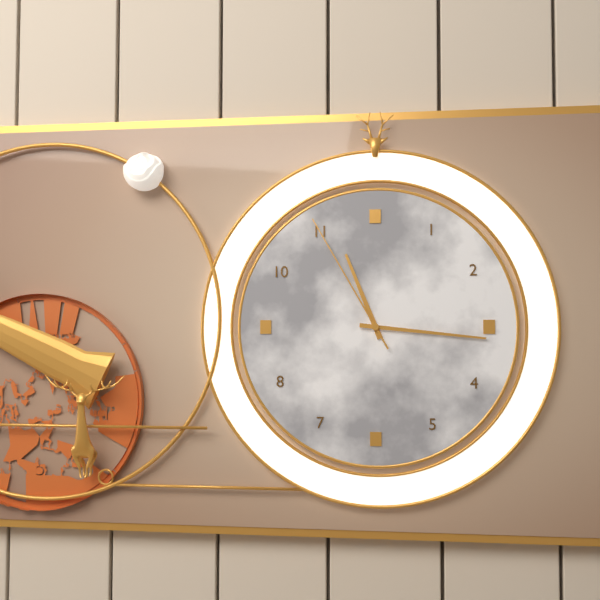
h=11 m=16 s=55
